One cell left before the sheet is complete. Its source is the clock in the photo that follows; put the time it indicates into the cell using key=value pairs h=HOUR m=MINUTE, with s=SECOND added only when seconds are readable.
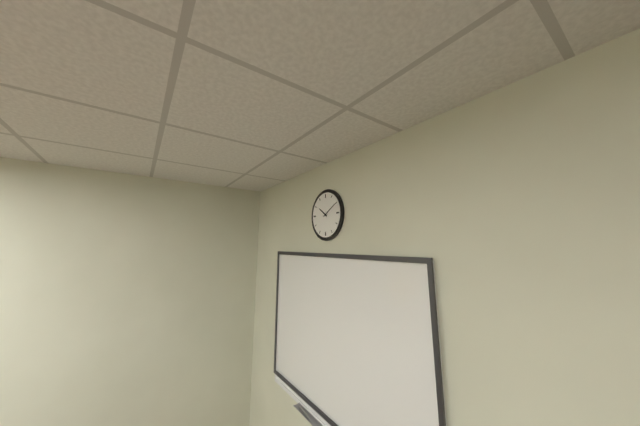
h=10 m=10
